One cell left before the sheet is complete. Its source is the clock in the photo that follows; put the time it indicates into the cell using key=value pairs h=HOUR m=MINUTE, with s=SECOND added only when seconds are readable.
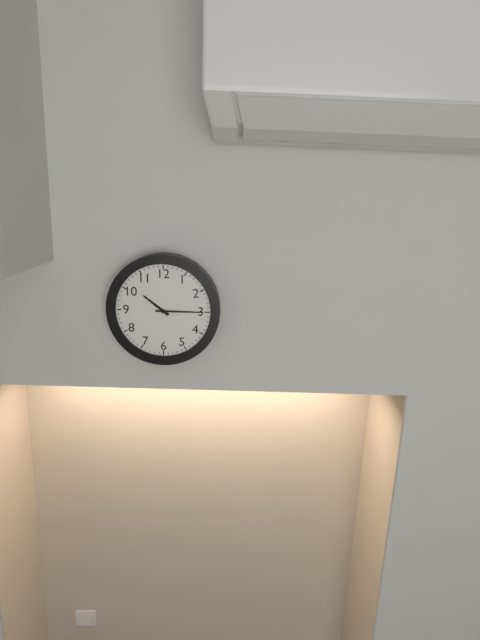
h=10 m=15
